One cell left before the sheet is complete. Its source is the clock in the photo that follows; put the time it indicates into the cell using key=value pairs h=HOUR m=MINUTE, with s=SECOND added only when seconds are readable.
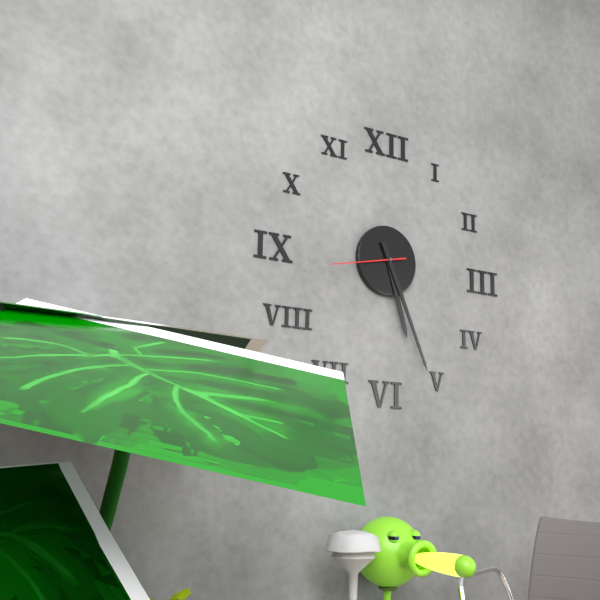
h=5 m=26 s=43
